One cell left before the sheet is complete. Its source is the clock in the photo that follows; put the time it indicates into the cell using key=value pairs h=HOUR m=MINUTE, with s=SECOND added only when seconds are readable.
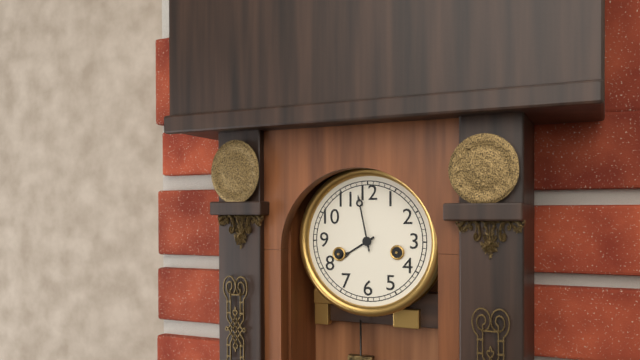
h=7 m=58
